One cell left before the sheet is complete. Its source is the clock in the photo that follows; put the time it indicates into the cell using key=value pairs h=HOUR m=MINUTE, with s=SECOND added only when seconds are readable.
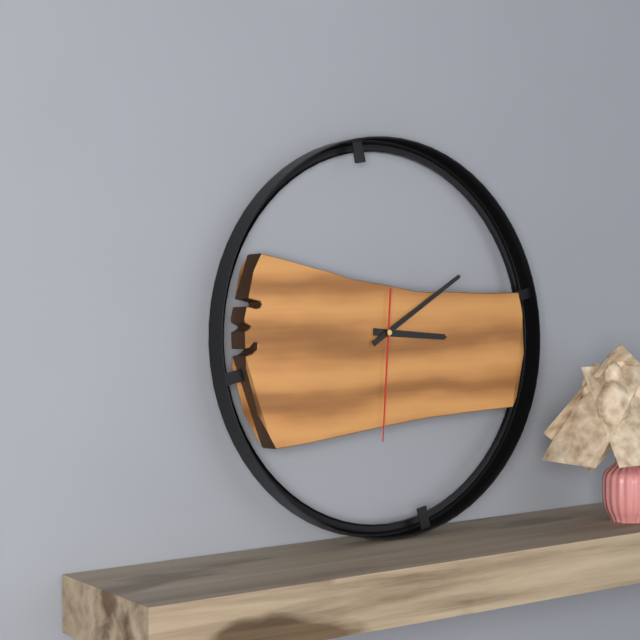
h=3 m=10 s=31
